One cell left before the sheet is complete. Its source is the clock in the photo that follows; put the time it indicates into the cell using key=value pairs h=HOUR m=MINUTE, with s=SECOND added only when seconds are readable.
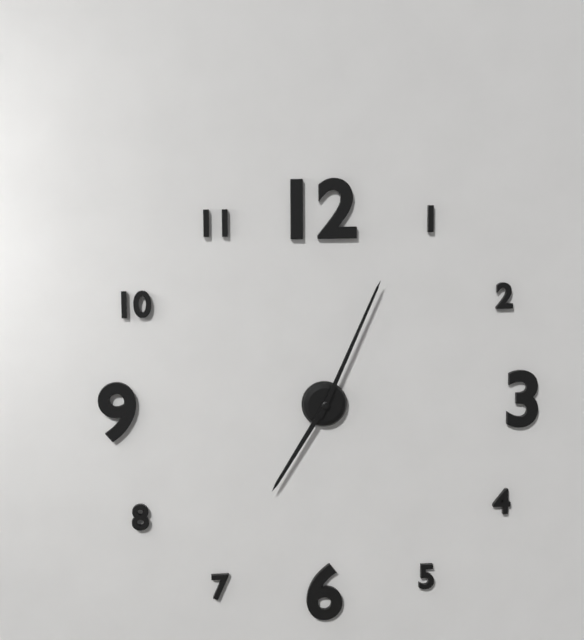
h=7 m=4
